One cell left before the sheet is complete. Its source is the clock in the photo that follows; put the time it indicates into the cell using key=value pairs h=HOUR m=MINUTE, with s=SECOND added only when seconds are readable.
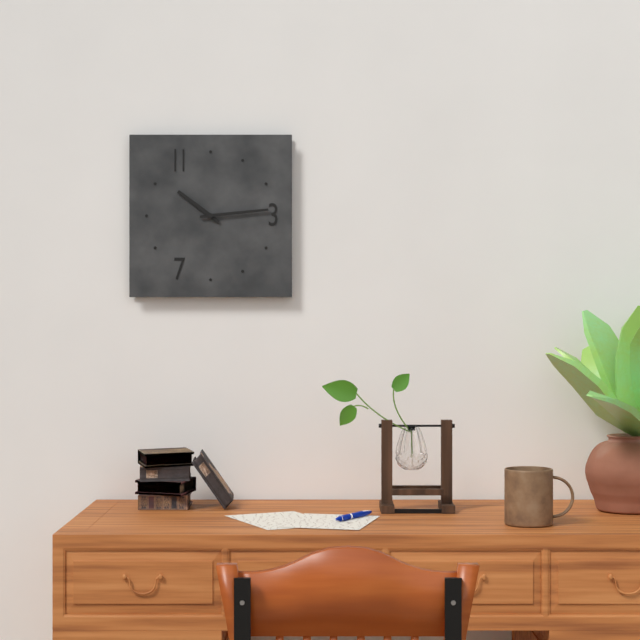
h=10 m=14
